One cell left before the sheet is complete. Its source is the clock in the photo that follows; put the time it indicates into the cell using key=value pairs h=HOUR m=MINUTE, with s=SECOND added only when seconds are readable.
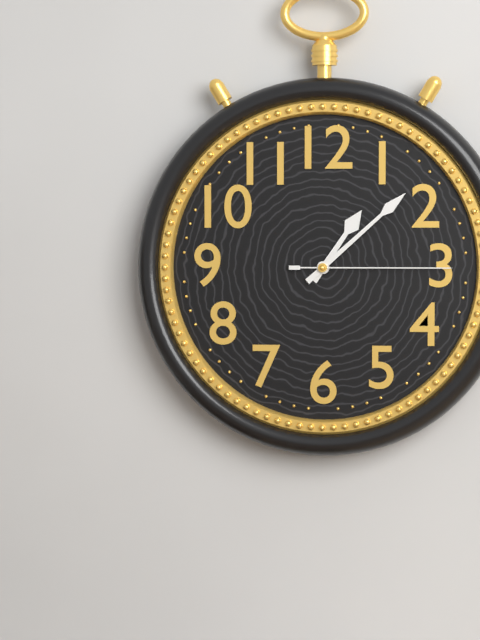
h=1 m=8 s=15
